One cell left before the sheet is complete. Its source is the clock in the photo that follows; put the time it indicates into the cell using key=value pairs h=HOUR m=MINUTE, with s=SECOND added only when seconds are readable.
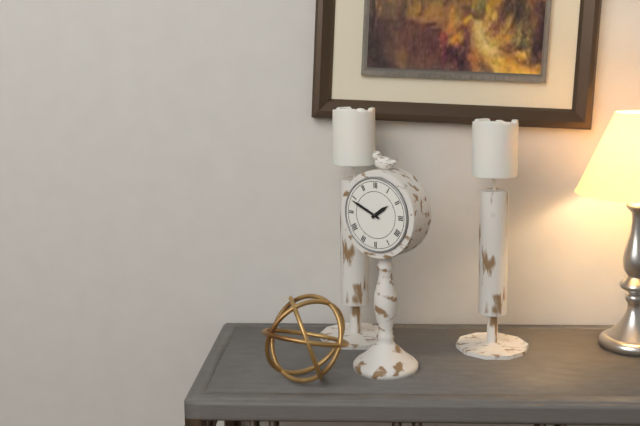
h=1 m=49
